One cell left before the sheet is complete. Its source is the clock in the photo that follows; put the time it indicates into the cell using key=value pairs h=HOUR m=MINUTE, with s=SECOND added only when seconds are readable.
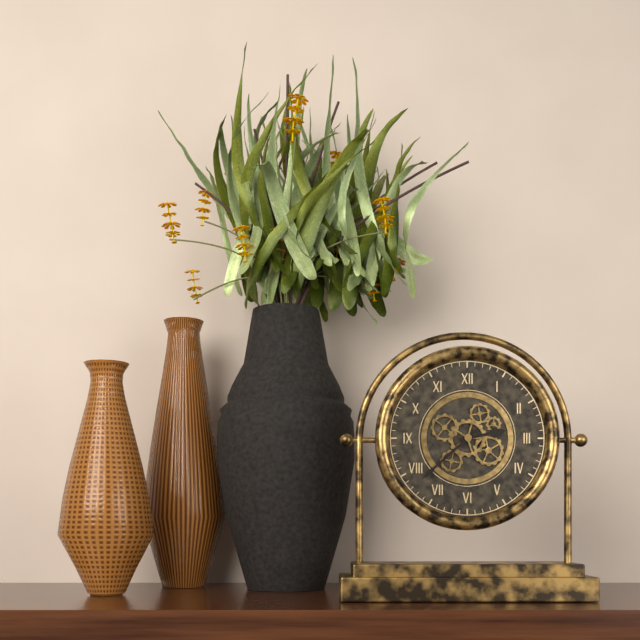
h=2 m=38
